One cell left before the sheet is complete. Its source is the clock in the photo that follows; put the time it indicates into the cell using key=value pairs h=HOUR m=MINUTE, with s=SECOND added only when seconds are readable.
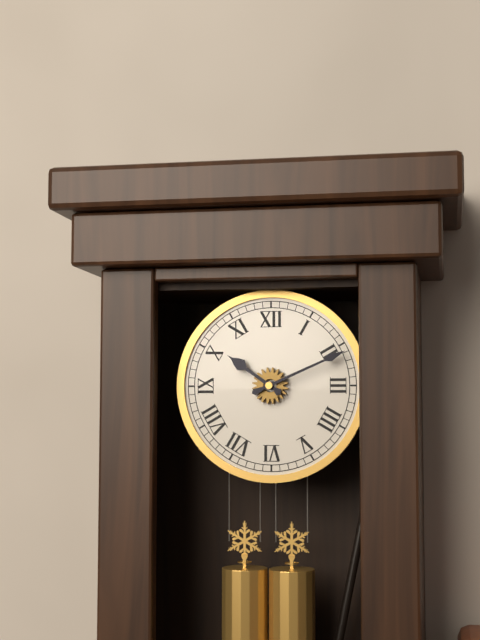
h=10 m=11
